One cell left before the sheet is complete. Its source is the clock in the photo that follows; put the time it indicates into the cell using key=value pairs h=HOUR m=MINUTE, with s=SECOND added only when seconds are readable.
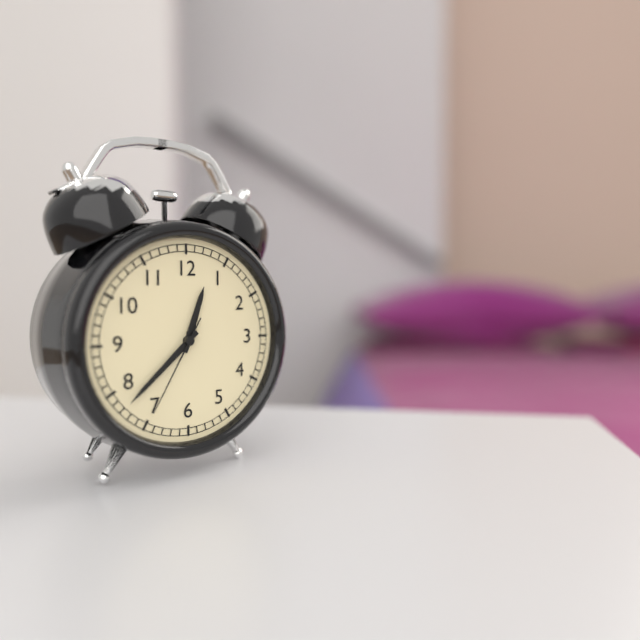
h=12 m=38 s=35
